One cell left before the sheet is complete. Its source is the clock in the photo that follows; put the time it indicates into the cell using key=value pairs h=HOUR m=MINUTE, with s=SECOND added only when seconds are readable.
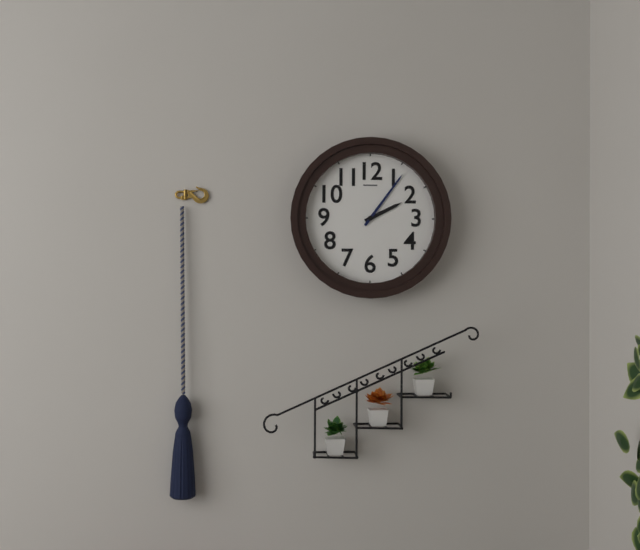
h=2 m=6
